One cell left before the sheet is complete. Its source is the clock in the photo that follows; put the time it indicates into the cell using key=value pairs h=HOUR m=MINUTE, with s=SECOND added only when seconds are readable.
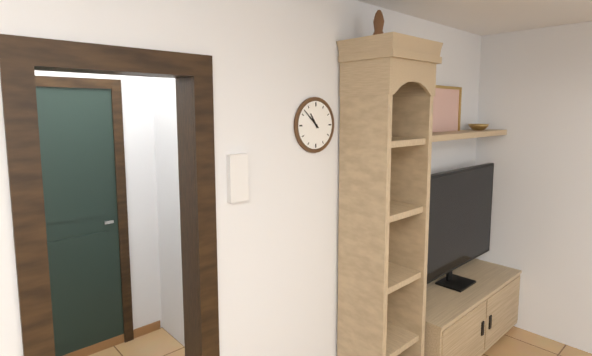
h=10 m=52
